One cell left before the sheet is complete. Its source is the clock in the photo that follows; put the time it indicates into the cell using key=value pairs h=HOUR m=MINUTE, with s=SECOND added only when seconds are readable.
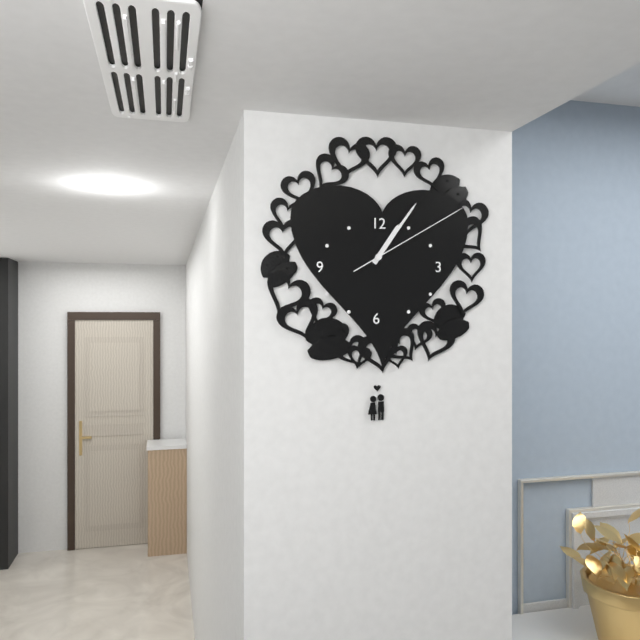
h=1 m=6 s=10
